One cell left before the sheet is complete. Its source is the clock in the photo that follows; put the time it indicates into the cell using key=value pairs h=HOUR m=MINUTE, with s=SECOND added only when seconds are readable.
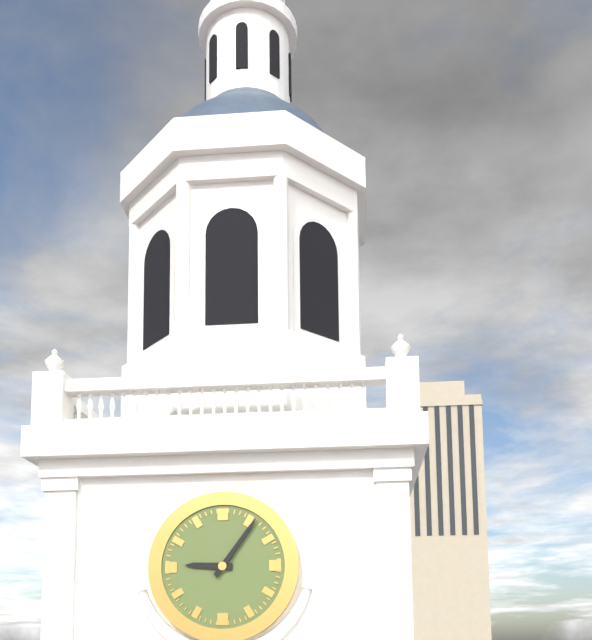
h=9 m=6
